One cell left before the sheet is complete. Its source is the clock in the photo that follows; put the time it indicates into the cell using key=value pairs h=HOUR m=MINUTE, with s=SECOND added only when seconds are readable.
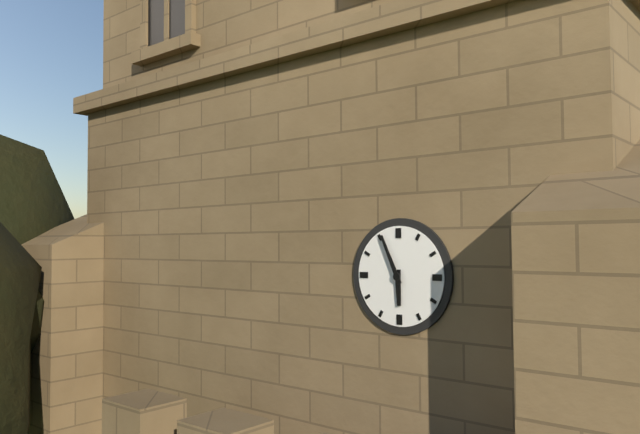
h=5 m=56
